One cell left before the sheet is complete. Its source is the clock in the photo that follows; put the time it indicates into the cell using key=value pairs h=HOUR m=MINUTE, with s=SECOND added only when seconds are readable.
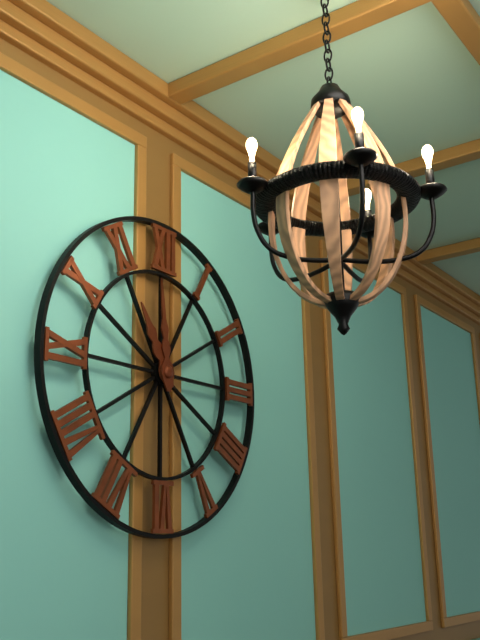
h=10 m=59
